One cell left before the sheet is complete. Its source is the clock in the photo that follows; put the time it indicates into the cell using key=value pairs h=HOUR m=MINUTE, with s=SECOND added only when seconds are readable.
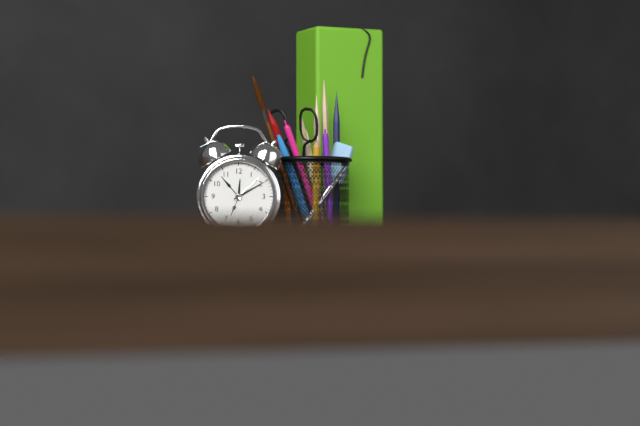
h=12 m=10
